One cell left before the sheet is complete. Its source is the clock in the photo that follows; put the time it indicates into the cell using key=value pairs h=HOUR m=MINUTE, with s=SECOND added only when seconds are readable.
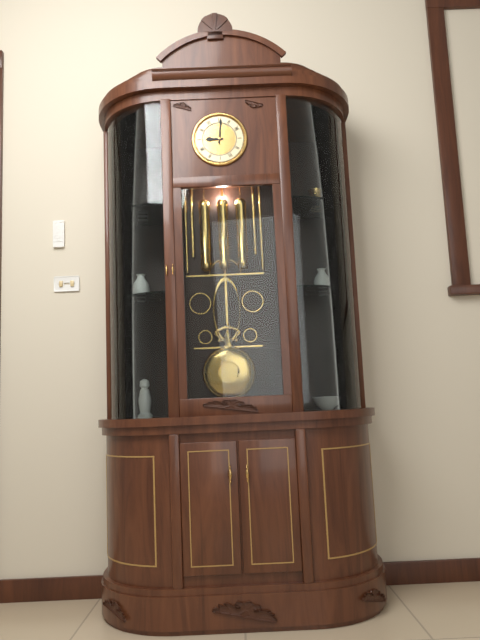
h=9 m=1
